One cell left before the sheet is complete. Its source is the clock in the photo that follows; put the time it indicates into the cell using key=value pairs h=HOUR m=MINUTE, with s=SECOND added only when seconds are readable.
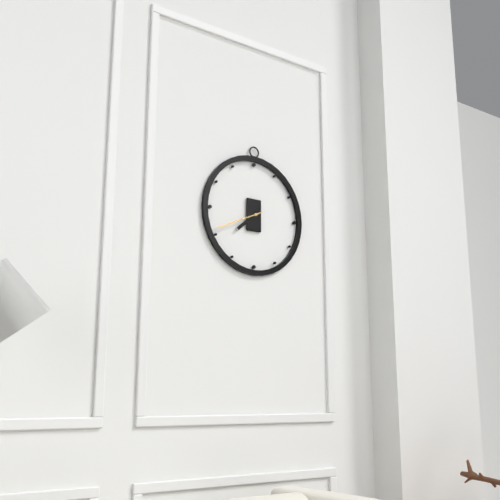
h=7 m=41
